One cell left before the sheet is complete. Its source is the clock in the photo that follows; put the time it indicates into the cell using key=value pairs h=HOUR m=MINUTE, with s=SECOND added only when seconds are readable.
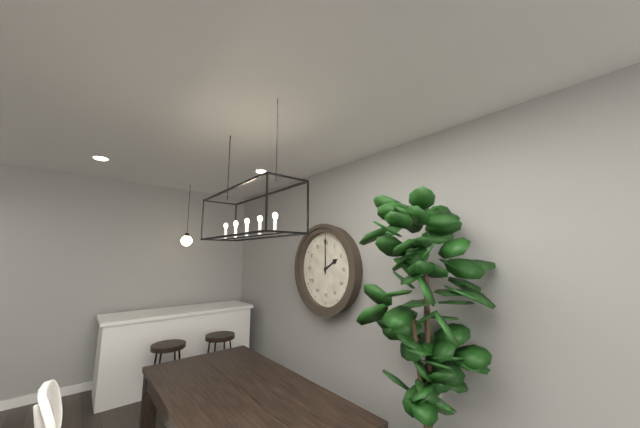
h=2 m=0
